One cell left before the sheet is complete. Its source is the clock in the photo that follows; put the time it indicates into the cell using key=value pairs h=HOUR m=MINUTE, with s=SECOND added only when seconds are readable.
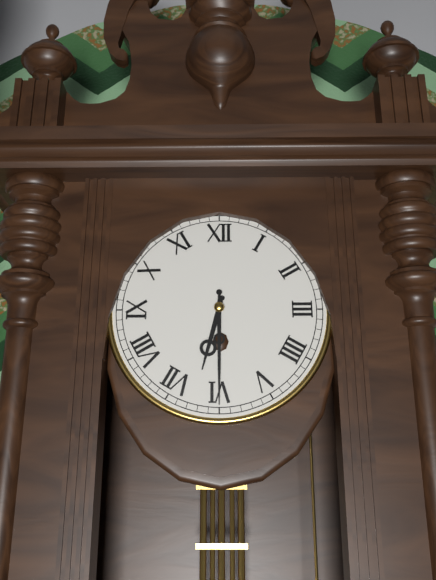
h=6 m=30
